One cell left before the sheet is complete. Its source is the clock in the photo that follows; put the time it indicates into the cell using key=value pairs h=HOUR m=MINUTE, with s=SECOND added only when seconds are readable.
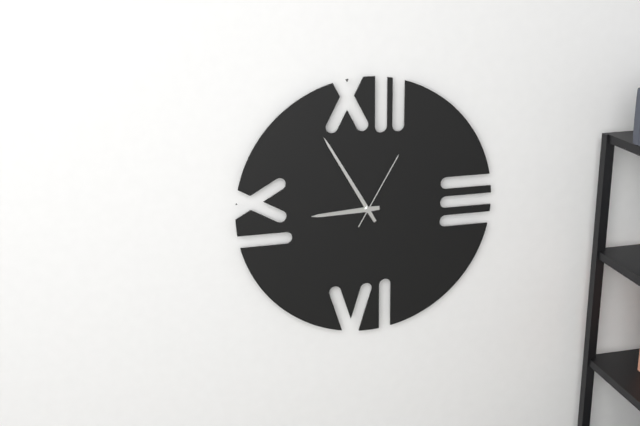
h=8 m=55 s=5
